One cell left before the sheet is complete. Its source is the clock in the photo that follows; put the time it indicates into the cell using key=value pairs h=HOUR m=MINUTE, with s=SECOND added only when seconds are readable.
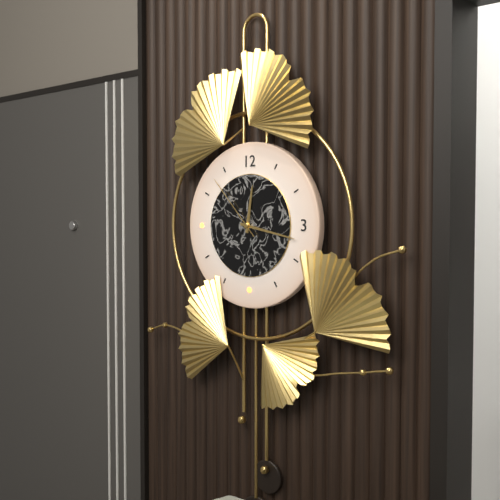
h=12 m=17 s=53
